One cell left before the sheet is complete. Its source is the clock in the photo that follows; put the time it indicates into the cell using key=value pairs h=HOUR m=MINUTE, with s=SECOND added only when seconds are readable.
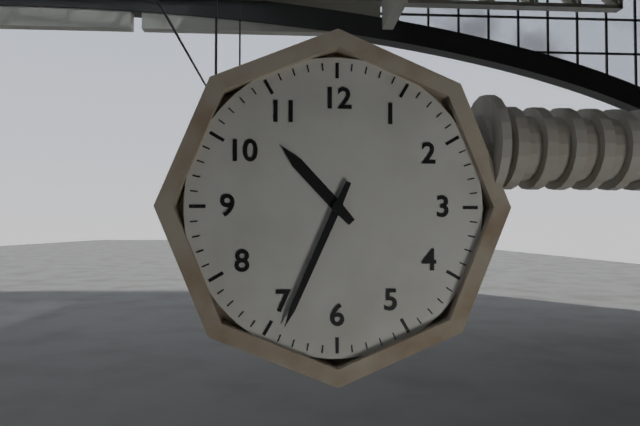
h=10 m=34
